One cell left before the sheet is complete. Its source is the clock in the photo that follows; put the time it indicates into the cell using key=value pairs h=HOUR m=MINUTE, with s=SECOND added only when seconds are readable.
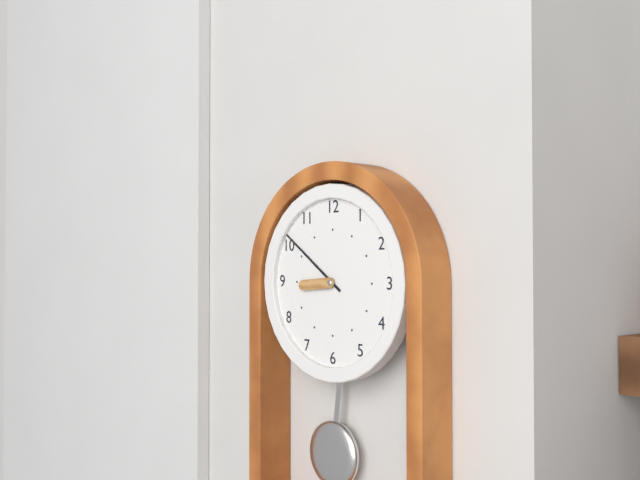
h=8 m=51
